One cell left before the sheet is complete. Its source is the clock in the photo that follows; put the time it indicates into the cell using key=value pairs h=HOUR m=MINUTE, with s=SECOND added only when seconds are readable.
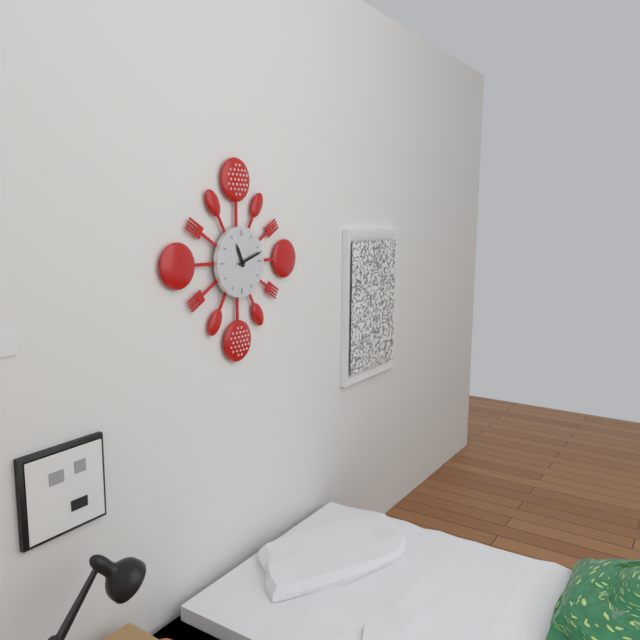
h=11 m=12
